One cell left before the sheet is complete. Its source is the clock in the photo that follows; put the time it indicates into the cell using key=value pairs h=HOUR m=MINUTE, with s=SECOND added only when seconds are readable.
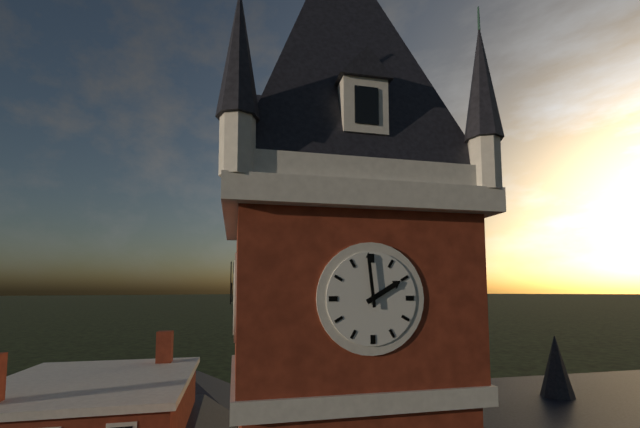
h=1 m=59
